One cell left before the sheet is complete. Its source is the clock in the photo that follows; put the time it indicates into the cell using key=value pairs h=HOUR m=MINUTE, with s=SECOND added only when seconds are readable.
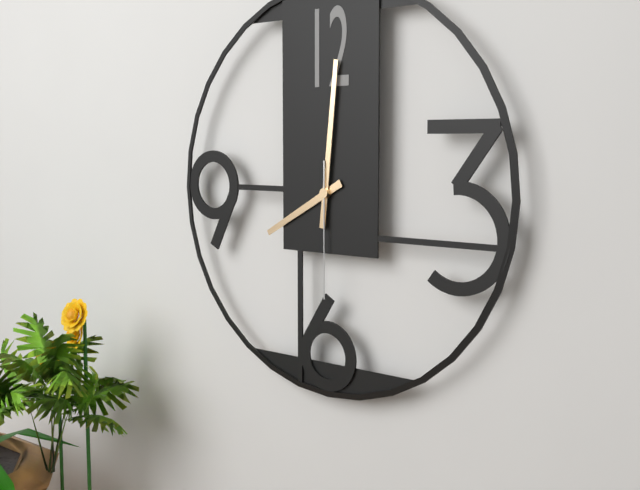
h=8 m=1 s=30
